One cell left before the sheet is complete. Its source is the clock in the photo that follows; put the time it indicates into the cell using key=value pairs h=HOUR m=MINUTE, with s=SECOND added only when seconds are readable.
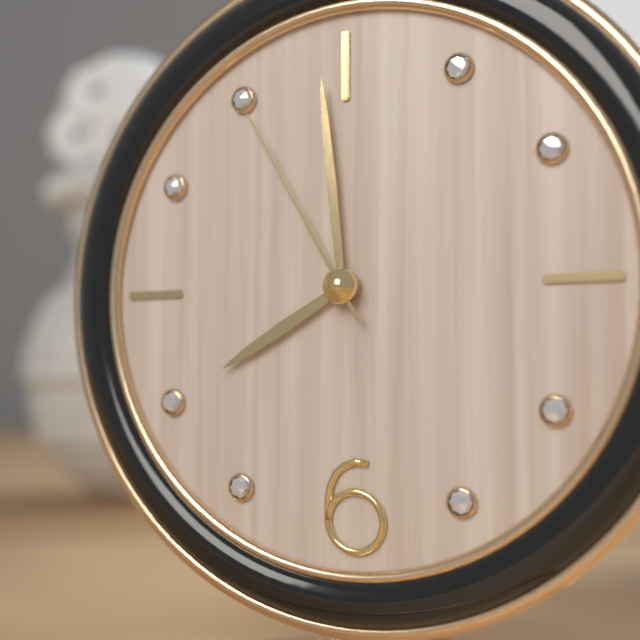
h=7 m=59 s=55
